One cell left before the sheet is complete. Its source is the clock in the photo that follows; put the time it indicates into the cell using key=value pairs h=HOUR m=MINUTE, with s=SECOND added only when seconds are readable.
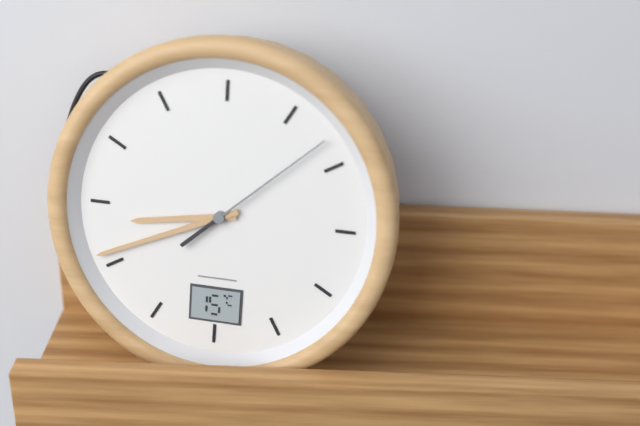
h=8 m=41 s=8
